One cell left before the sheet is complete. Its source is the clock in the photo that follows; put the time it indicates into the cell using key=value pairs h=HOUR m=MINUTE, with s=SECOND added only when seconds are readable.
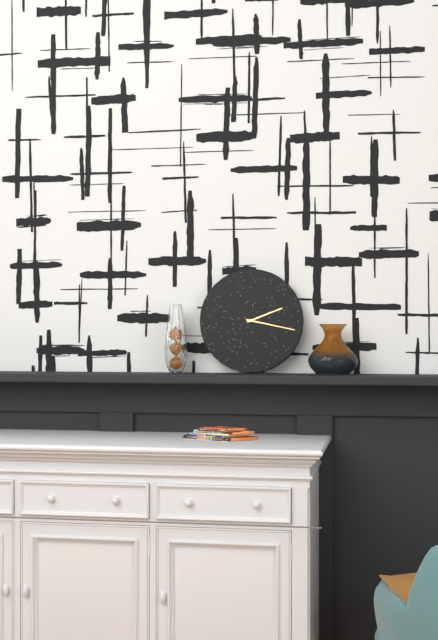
h=2 m=17
